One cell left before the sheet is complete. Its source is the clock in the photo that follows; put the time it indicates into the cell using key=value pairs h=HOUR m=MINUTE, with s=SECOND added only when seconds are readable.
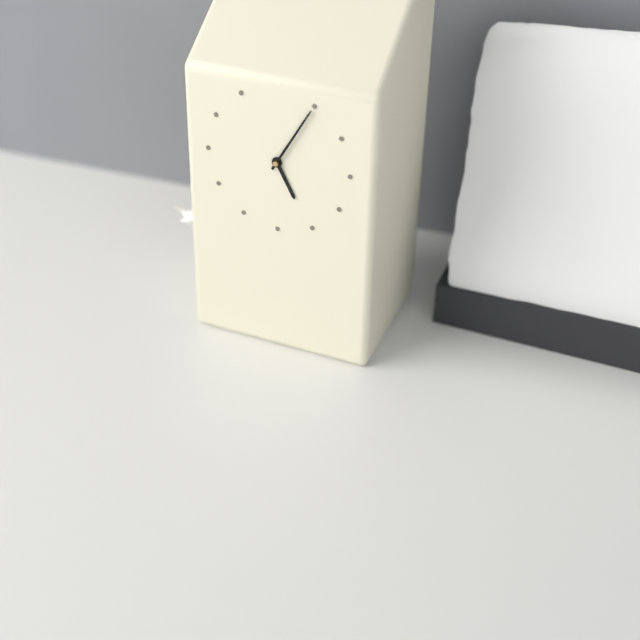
h=5 m=5
